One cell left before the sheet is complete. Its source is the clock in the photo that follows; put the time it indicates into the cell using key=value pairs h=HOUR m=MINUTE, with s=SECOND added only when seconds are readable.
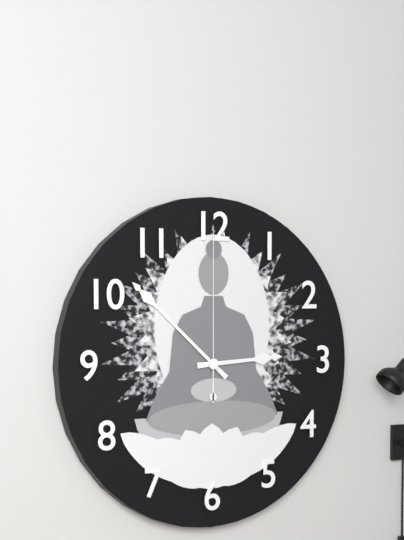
h=2 m=52 s=0
